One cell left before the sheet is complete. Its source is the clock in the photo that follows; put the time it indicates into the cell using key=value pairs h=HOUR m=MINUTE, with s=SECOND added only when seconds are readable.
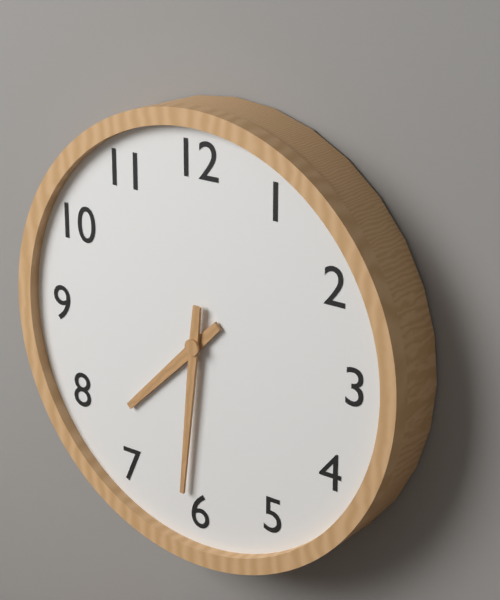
h=7 m=31
